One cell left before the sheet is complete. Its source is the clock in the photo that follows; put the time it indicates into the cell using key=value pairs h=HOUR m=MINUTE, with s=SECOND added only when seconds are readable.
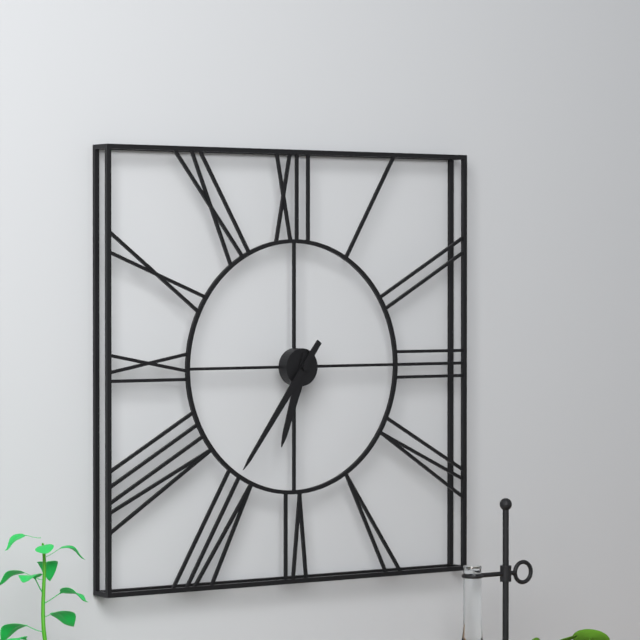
h=6 m=36
